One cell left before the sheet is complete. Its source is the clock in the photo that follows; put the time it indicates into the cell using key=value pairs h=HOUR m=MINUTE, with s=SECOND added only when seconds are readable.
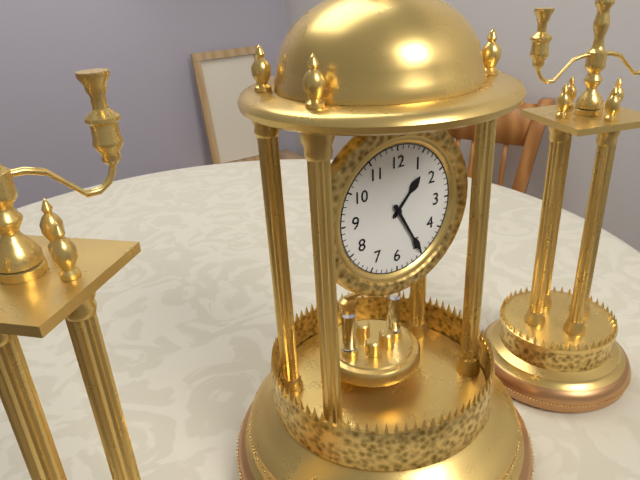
h=1 m=25
